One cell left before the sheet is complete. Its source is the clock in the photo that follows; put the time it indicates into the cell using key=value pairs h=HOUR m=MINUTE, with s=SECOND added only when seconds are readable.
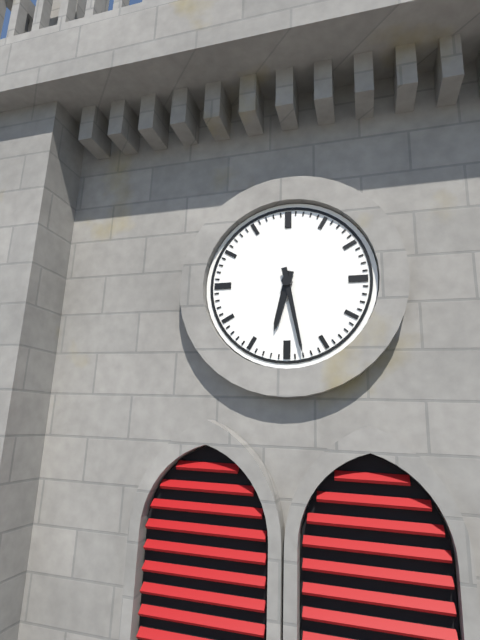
h=6 m=28
